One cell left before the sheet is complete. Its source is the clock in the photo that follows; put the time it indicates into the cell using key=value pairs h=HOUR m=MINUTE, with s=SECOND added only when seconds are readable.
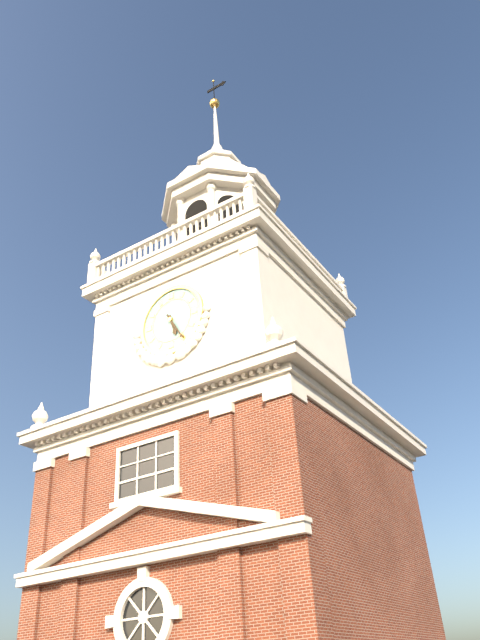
h=5 m=25
